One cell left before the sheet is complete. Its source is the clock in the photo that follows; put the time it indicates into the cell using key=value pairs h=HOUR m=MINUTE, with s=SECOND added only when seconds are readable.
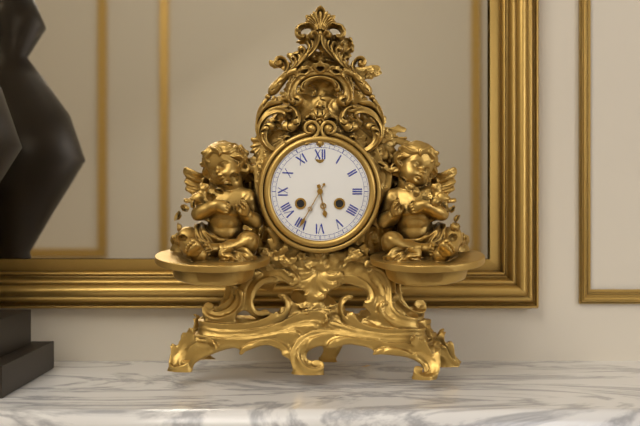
h=5 m=35
